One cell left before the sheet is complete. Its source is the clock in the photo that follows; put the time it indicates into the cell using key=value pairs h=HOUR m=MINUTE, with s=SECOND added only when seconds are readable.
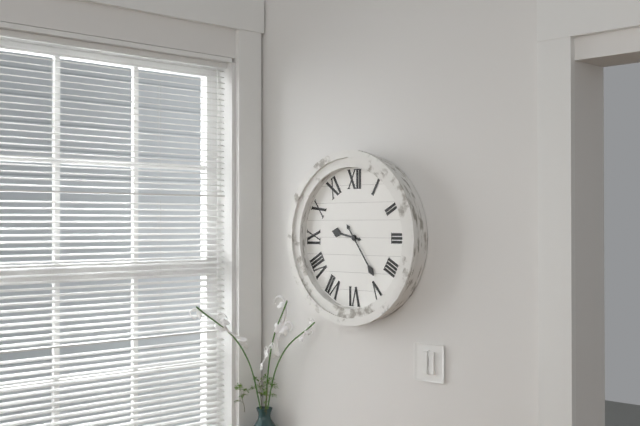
h=9 m=24
